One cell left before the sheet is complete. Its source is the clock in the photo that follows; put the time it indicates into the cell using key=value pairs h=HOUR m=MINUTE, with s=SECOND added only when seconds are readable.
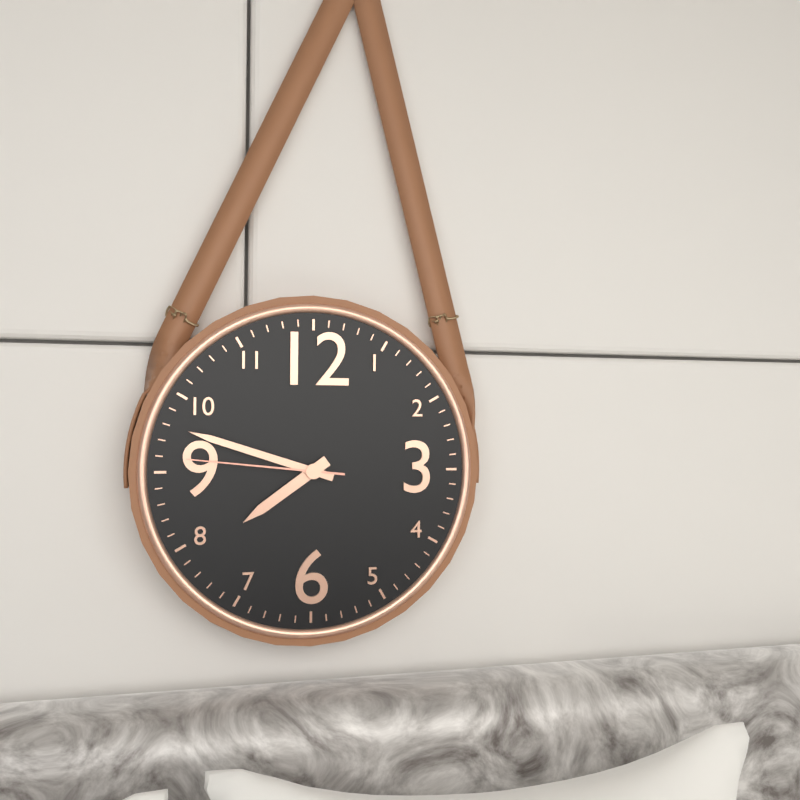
h=7 m=48 s=46
